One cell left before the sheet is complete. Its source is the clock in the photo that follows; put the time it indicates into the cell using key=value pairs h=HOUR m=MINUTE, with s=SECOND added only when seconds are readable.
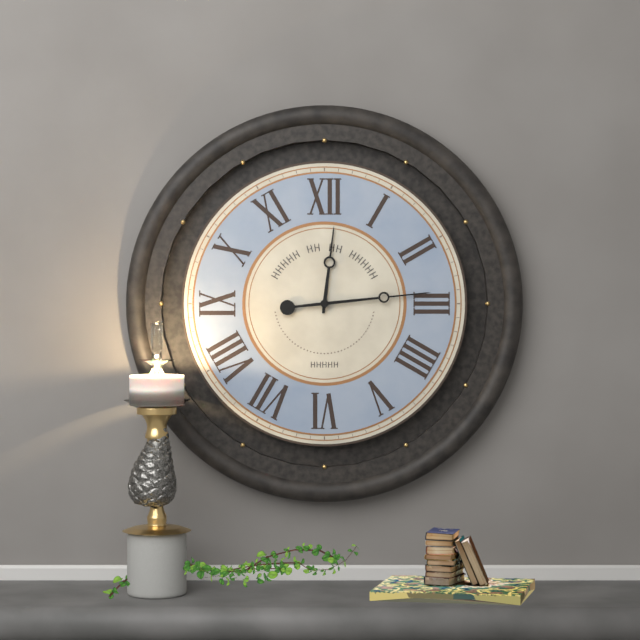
h=12 m=14
